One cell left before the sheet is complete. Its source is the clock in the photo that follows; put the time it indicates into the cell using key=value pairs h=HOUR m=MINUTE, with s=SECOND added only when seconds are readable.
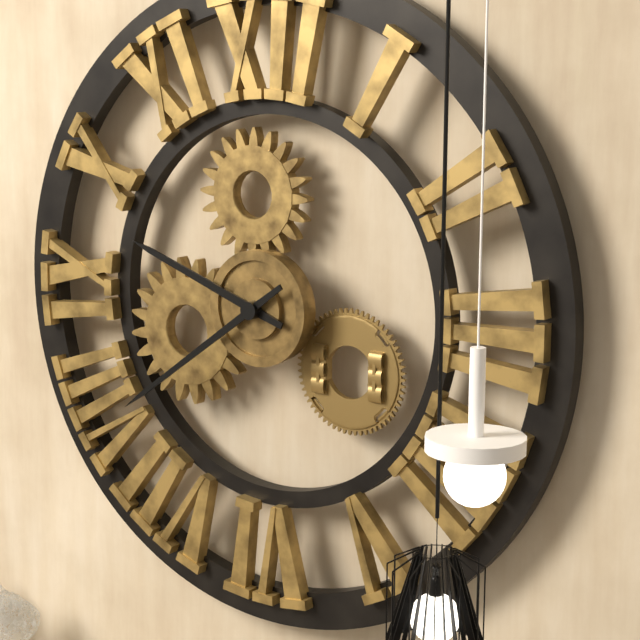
h=9 m=39
